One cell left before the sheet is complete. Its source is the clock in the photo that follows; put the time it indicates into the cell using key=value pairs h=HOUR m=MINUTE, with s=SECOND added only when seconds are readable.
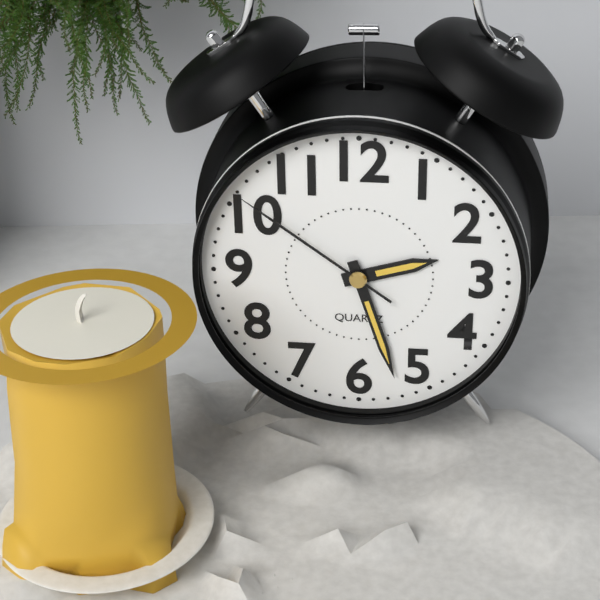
h=2 m=27 s=51
